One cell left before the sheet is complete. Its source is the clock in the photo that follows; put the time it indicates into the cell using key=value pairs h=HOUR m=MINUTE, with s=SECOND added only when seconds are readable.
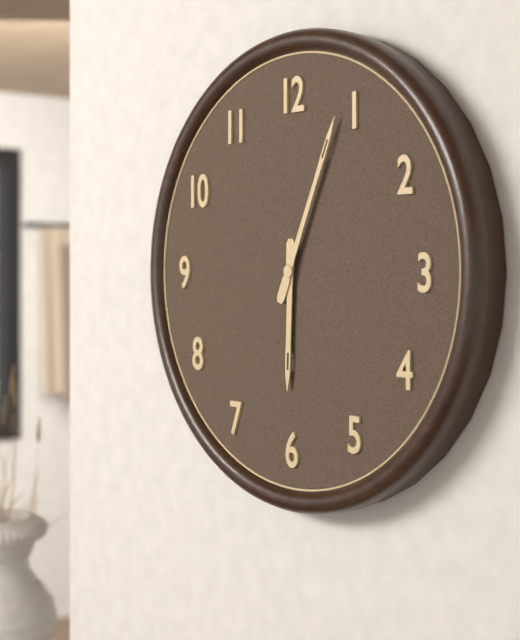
h=6 m=4
